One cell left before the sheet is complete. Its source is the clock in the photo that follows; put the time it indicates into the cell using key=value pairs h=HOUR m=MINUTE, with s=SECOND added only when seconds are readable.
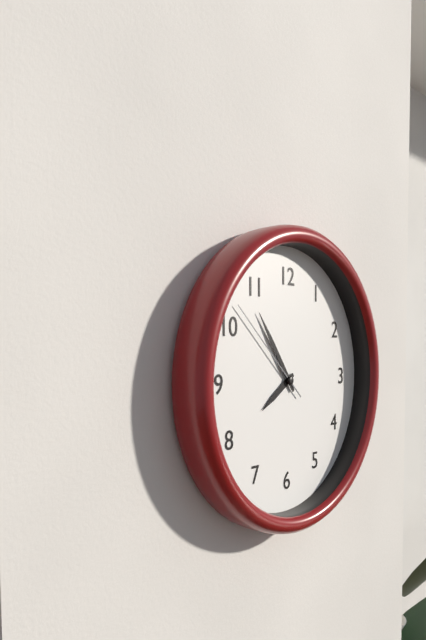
h=7 m=54 s=52
